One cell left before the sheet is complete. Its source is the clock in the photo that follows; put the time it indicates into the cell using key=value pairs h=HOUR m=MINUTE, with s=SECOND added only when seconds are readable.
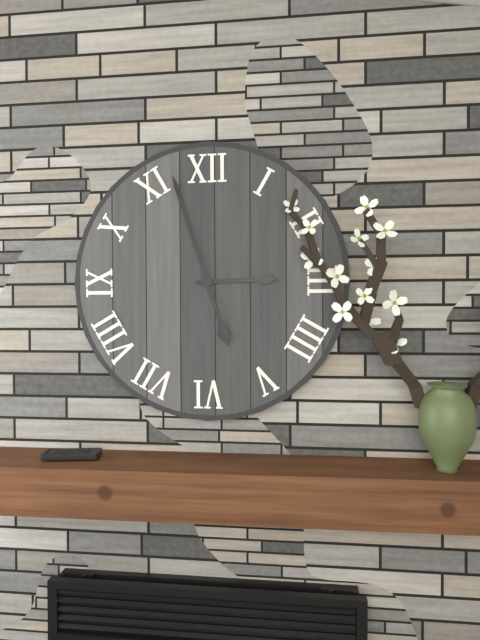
h=2 m=57
